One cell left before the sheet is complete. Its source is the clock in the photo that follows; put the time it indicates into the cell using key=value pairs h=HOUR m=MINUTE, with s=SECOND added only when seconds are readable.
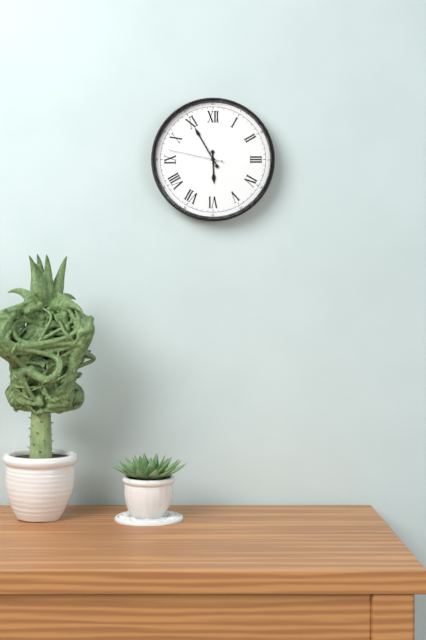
h=5 m=55 s=47
